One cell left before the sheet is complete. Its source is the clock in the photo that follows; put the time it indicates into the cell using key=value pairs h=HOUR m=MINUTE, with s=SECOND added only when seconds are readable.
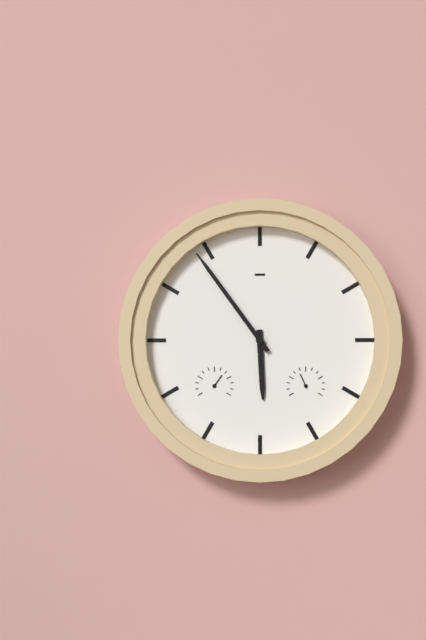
h=5 m=54
